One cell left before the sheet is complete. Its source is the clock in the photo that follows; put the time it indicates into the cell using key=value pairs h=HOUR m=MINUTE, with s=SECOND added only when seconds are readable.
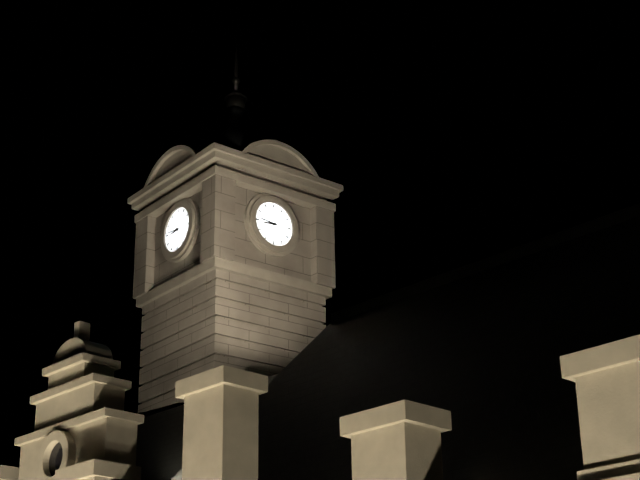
h=8 m=46
